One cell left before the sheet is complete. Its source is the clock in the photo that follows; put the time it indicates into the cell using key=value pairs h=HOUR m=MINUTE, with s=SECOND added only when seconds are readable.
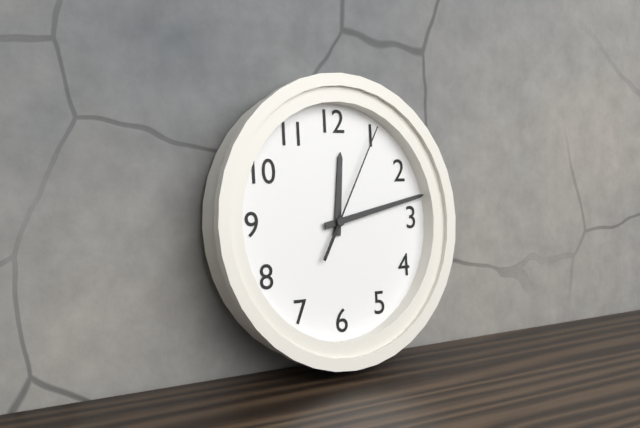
h=12 m=13 s=5
